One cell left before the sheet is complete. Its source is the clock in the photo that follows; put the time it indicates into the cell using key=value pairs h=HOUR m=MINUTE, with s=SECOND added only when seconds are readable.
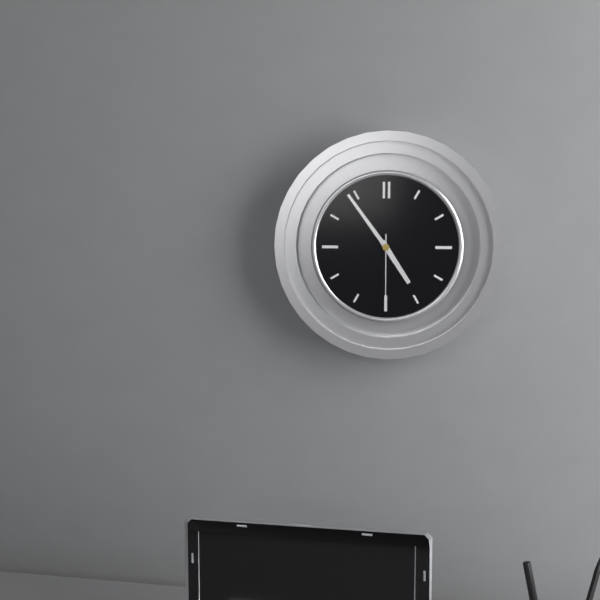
h=4 m=54 s=30
